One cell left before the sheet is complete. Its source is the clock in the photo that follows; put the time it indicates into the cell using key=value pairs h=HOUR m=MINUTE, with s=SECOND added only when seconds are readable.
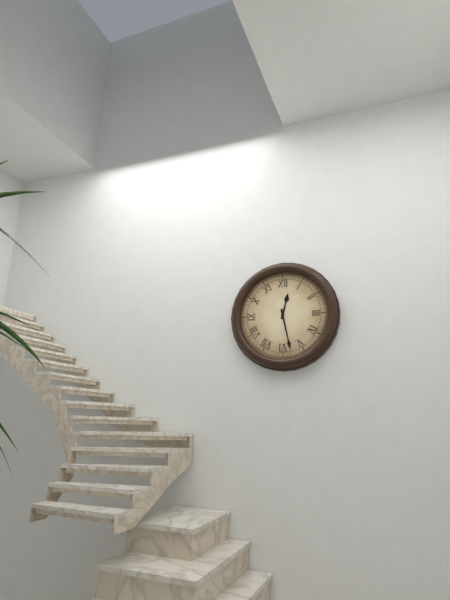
h=12 m=28
